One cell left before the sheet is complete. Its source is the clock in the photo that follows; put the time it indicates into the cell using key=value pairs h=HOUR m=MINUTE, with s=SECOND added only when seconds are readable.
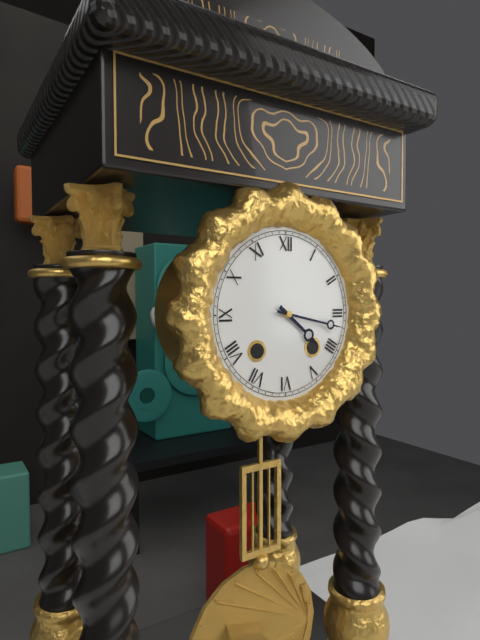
h=4 m=17
